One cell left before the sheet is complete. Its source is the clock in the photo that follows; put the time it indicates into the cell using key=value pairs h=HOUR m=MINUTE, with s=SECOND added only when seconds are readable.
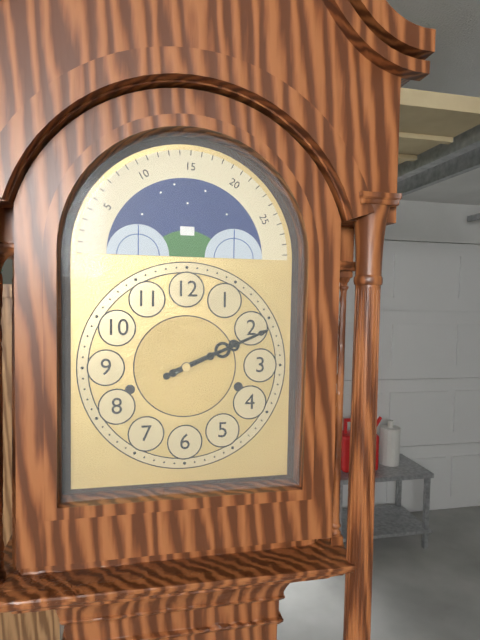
h=2 m=11
